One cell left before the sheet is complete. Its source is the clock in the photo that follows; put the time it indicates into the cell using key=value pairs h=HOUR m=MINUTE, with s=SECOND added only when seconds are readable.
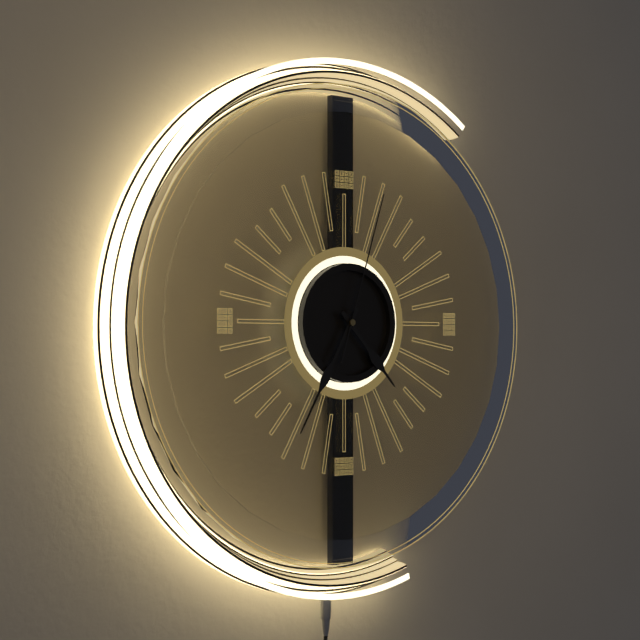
h=4 m=35 s=3
